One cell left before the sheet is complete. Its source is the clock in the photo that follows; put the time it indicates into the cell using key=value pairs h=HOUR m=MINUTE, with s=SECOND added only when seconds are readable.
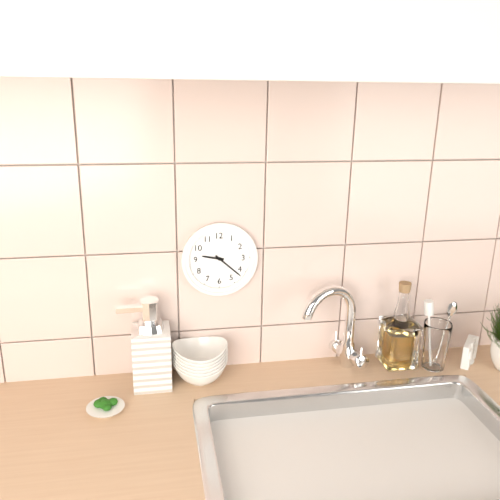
h=9 m=22
